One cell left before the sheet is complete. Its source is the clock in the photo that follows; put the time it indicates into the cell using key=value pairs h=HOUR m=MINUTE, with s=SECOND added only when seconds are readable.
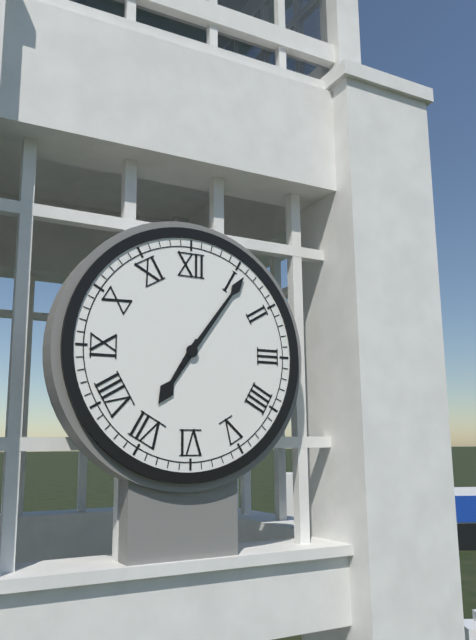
h=7 m=6
